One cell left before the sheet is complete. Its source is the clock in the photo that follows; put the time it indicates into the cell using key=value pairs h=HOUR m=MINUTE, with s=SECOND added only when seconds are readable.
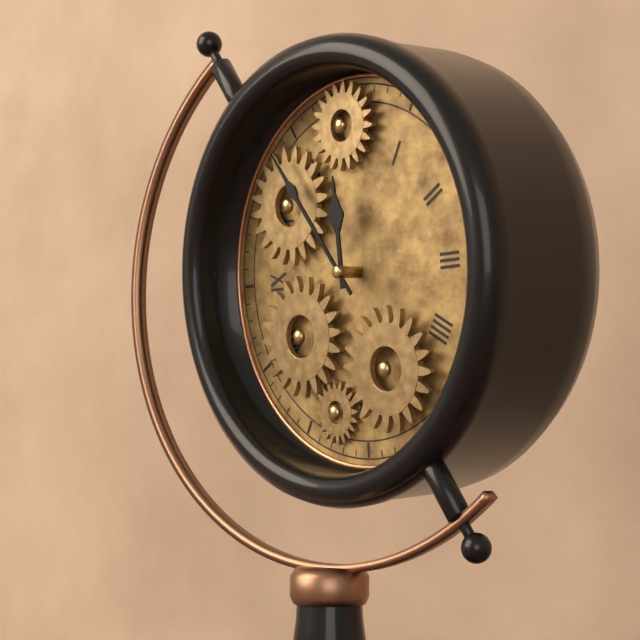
h=11 m=54
